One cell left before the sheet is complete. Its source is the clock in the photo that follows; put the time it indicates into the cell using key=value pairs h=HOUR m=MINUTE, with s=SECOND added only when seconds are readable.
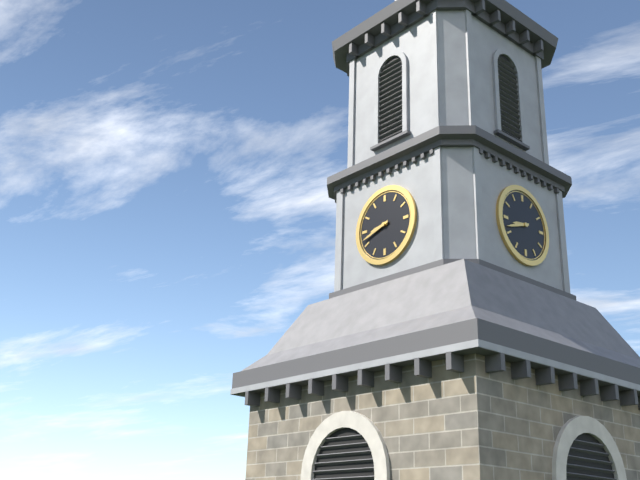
h=8 m=42
